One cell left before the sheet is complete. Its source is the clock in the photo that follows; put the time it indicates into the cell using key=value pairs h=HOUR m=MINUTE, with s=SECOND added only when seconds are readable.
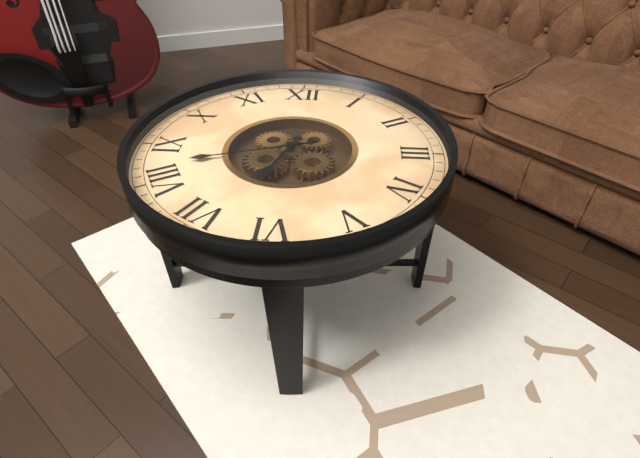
h=6 m=42
